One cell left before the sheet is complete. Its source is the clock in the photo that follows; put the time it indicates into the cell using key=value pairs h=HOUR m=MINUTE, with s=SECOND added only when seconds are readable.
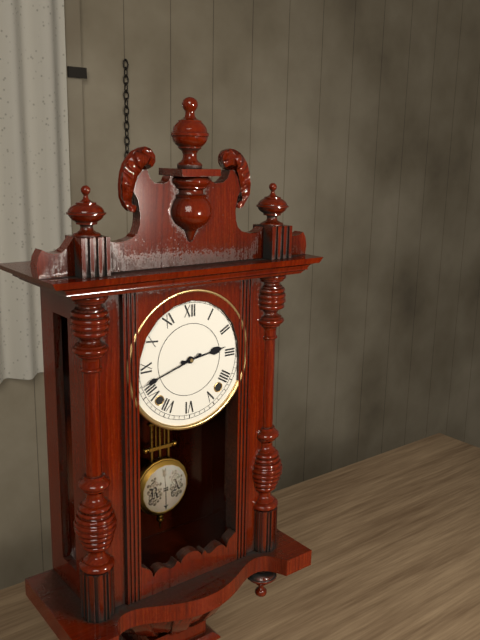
h=2 m=42
